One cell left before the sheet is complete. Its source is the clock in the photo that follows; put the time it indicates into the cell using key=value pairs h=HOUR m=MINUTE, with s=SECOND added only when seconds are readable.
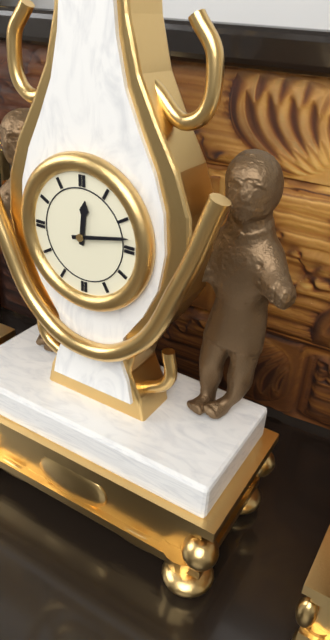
h=12 m=13
